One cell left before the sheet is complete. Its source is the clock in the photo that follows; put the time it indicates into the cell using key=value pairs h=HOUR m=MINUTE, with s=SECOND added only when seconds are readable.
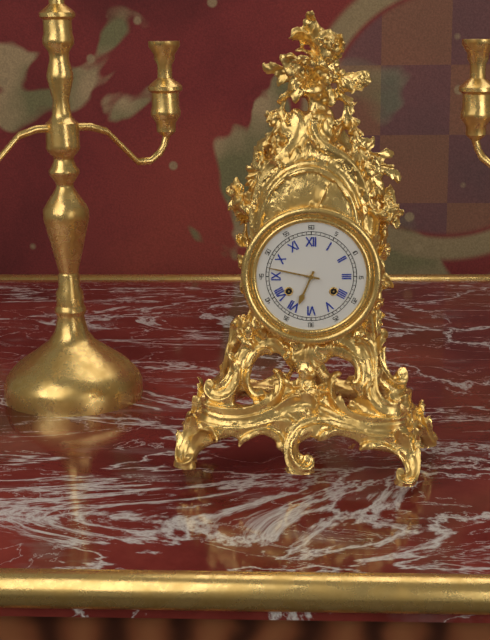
h=6 m=47
